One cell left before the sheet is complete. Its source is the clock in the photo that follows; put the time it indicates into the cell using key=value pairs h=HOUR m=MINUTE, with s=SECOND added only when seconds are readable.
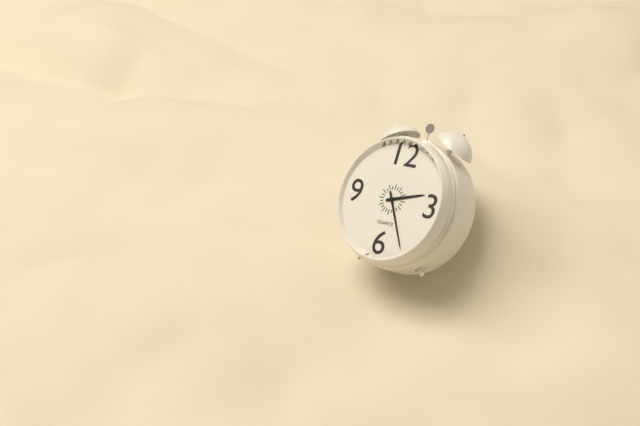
h=2 m=25
